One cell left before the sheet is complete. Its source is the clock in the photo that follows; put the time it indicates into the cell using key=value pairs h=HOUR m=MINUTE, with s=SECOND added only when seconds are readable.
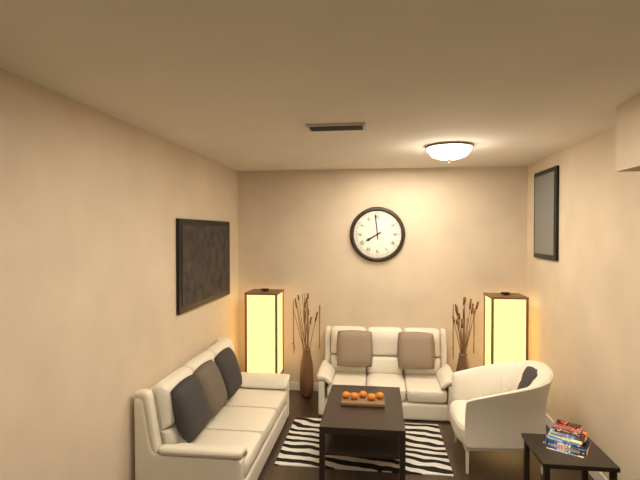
h=7 m=59
